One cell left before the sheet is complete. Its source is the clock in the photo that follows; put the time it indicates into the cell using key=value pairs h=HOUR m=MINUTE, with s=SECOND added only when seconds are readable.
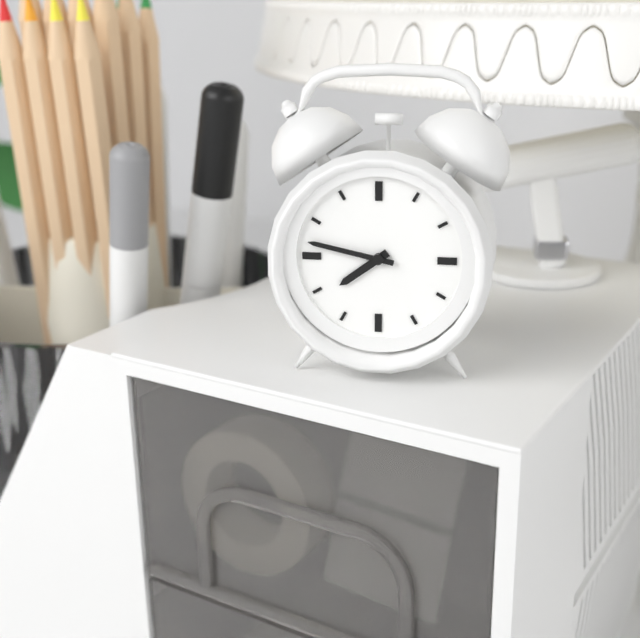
h=7 m=47
